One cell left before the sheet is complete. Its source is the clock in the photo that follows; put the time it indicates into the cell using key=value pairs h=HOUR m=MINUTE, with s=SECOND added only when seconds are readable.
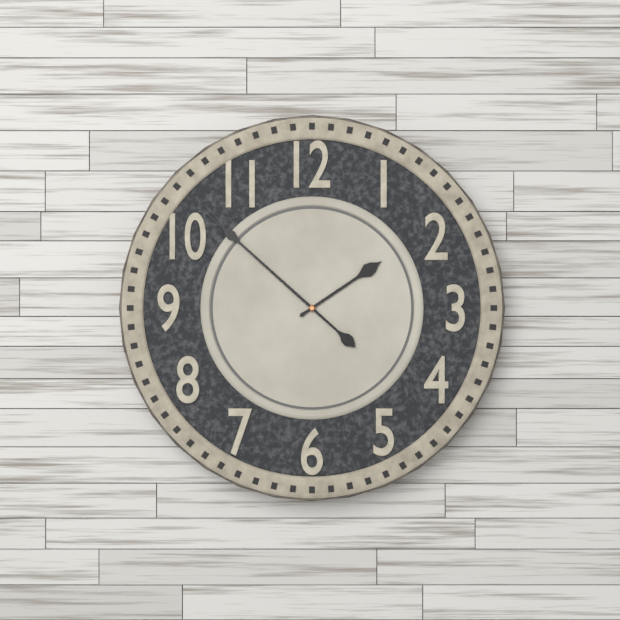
h=1 m=52
